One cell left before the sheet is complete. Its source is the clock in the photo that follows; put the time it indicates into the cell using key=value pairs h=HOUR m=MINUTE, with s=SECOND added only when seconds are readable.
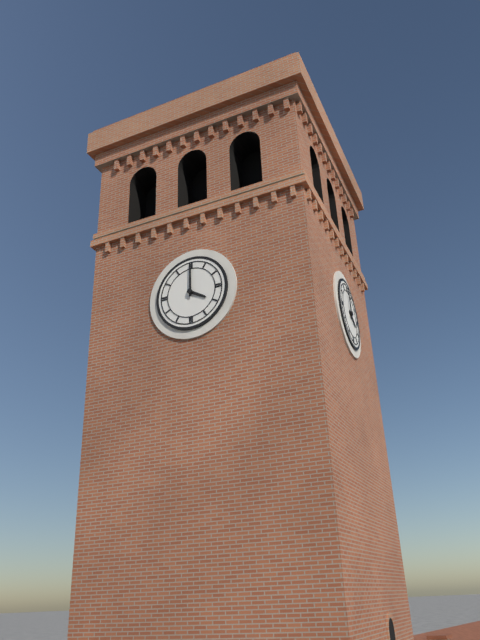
h=4 m=0
